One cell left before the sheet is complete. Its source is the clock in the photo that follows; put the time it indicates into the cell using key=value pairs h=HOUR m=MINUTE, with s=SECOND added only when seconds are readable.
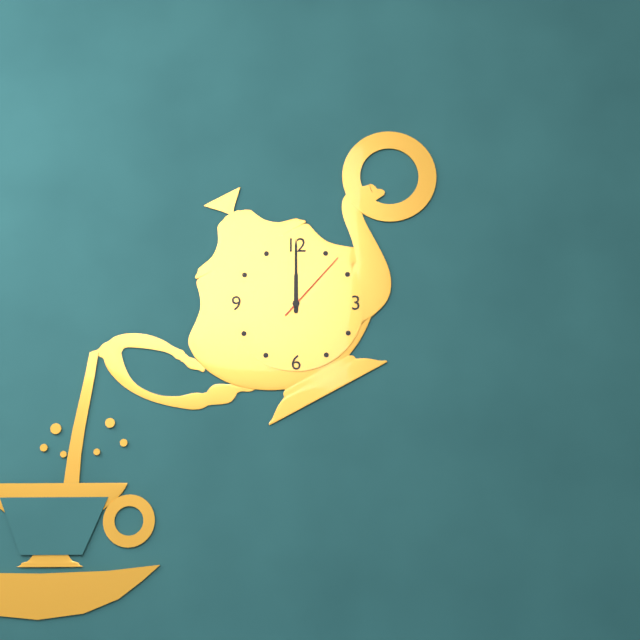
h=12 m=0 s=7
